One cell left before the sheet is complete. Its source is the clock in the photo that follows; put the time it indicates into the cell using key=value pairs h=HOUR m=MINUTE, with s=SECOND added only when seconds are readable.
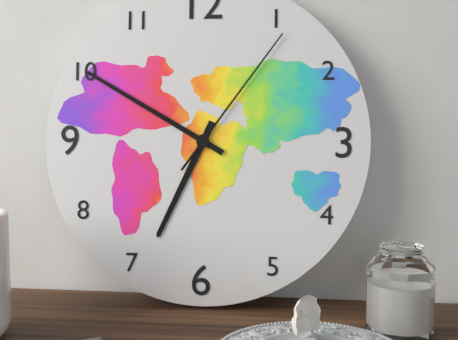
h=6 m=50 s=6
